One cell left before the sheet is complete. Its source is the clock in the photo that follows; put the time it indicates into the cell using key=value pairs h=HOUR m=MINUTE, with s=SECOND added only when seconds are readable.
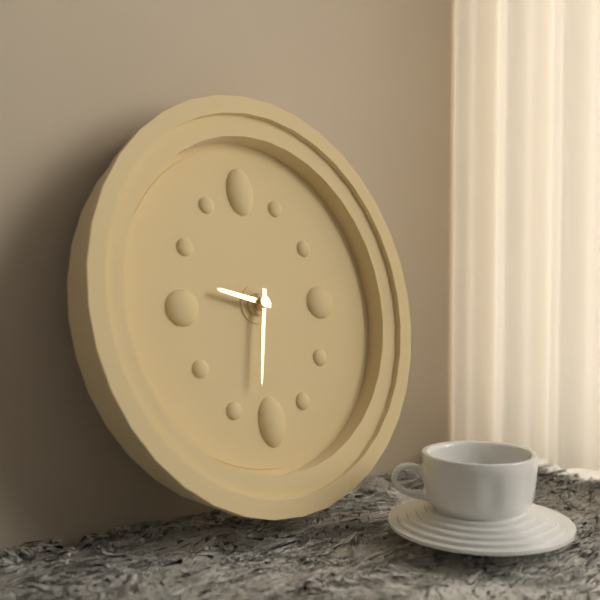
h=9 m=32
